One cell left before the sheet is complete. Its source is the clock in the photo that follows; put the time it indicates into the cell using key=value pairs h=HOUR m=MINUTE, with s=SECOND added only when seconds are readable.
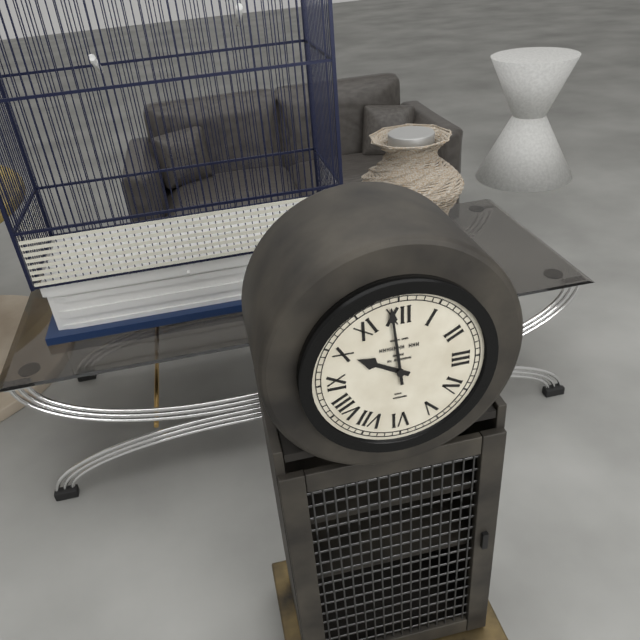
h=9 m=59
